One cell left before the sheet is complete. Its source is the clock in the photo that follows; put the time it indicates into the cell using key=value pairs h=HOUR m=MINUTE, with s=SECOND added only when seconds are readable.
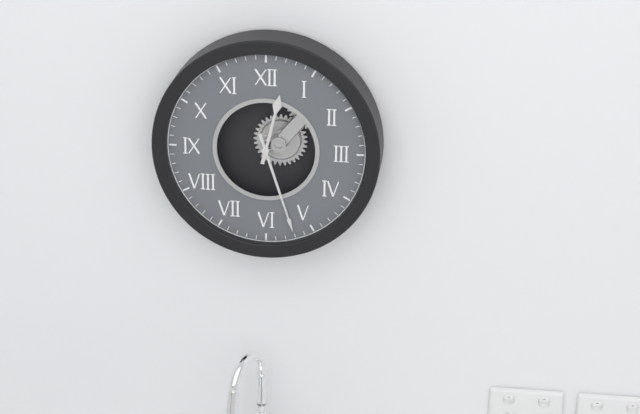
h=12 m=27
